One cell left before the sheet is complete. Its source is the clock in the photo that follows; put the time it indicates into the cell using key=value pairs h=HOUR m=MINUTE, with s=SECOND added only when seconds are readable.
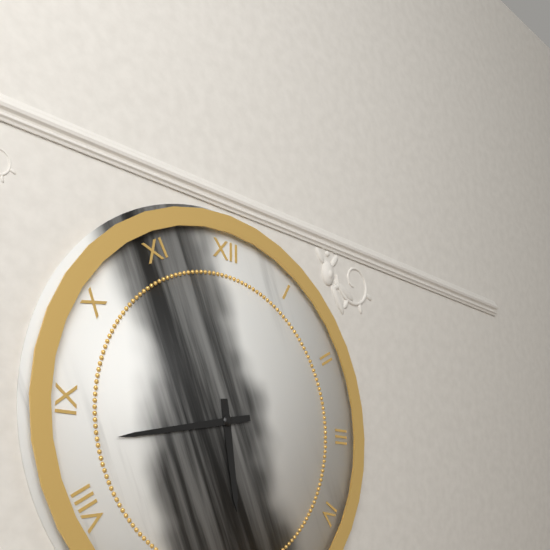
h=5 m=43
